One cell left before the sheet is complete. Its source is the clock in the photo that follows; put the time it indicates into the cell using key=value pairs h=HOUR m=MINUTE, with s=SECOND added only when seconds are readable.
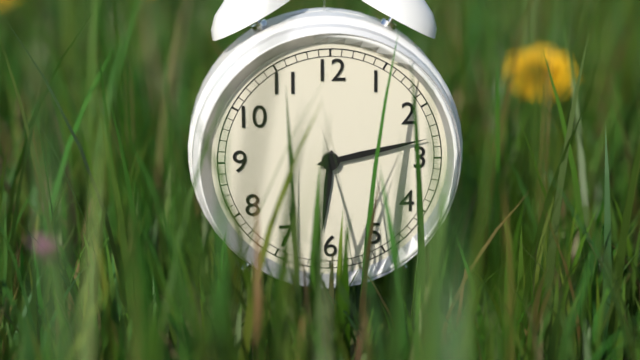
h=6 m=13
